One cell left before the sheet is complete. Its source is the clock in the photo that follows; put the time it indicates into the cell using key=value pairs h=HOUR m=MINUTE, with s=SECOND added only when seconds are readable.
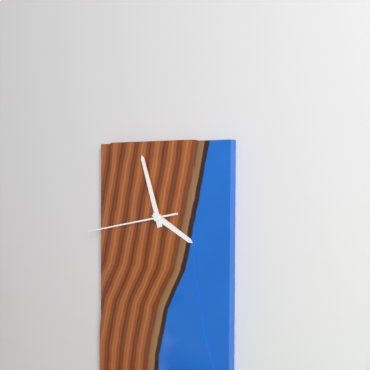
h=3 m=57 s=43
